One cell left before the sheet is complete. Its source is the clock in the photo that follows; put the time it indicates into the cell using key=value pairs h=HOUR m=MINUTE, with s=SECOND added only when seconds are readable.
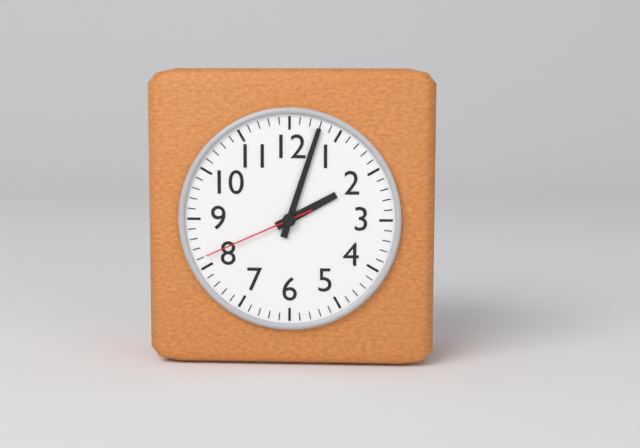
h=2 m=3 s=41
